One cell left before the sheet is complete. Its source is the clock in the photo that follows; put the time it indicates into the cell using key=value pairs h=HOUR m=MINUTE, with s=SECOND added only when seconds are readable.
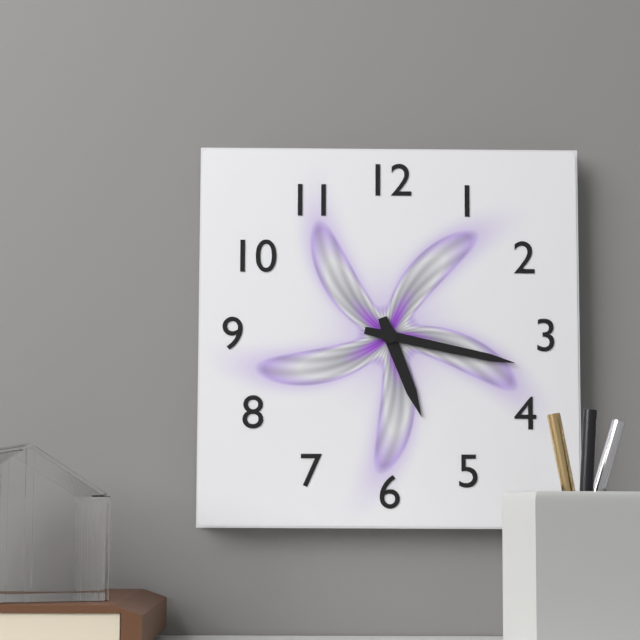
h=5 m=17
